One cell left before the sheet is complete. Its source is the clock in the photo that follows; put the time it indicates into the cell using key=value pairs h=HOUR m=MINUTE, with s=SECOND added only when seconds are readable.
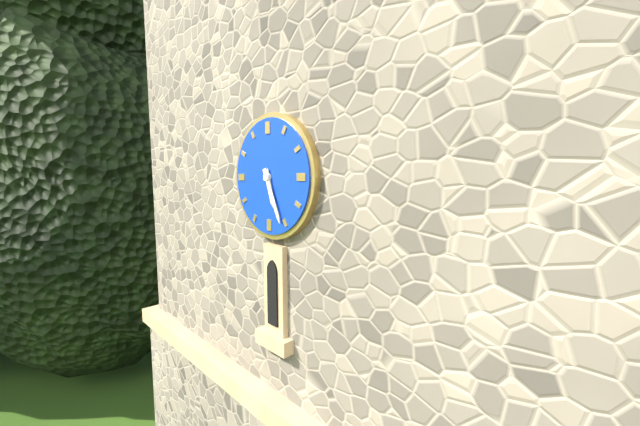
h=5 m=26
